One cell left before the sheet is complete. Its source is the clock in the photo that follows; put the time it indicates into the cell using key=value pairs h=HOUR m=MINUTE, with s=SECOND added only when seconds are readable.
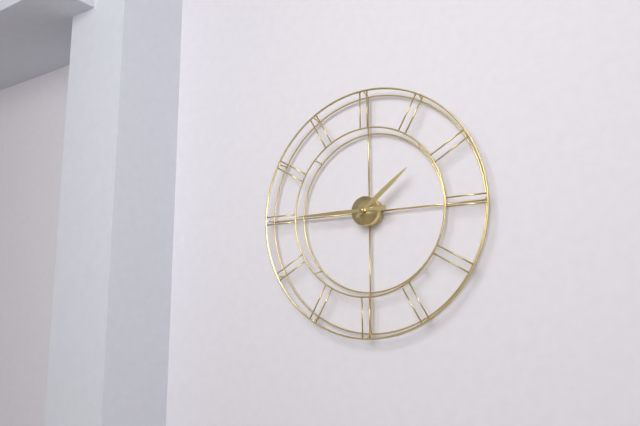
h=1 m=45
